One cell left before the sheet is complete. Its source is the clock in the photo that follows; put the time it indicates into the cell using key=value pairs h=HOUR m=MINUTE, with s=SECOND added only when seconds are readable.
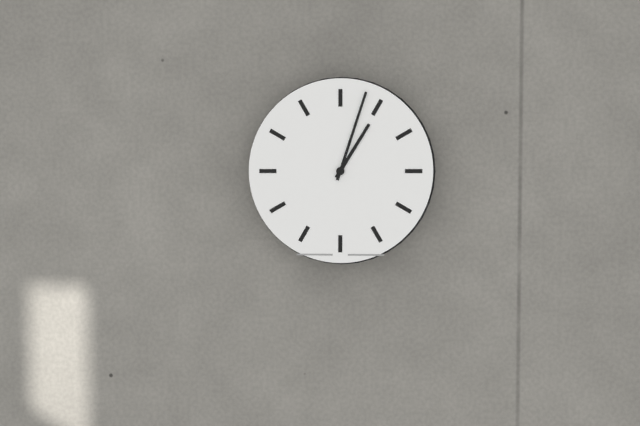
h=1 m=3
